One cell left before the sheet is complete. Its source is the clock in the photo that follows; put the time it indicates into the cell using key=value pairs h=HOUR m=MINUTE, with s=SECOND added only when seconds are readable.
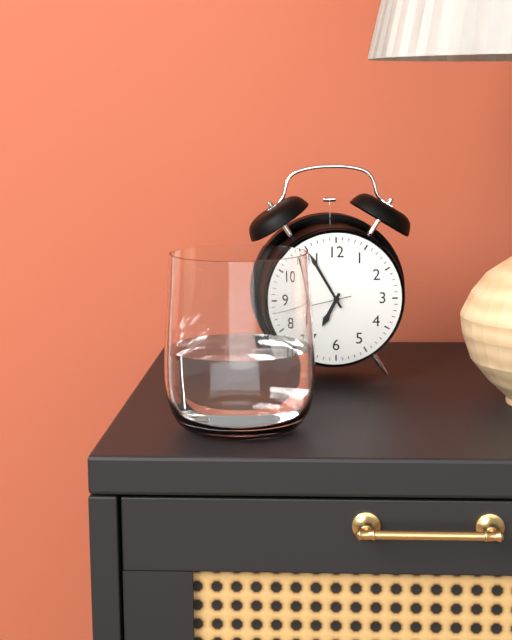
h=6 m=55 s=43
